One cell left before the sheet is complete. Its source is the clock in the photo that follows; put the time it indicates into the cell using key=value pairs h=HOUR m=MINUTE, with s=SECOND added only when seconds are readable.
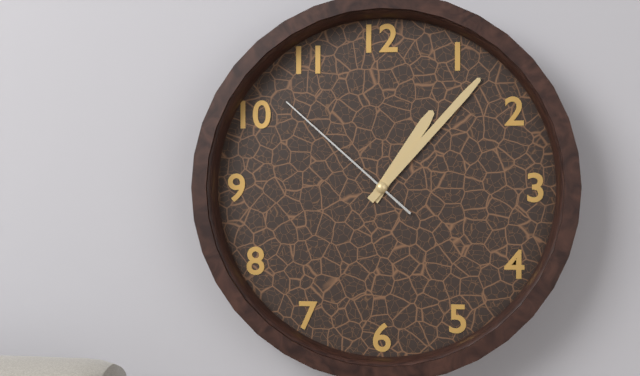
h=1 m=7 s=52
